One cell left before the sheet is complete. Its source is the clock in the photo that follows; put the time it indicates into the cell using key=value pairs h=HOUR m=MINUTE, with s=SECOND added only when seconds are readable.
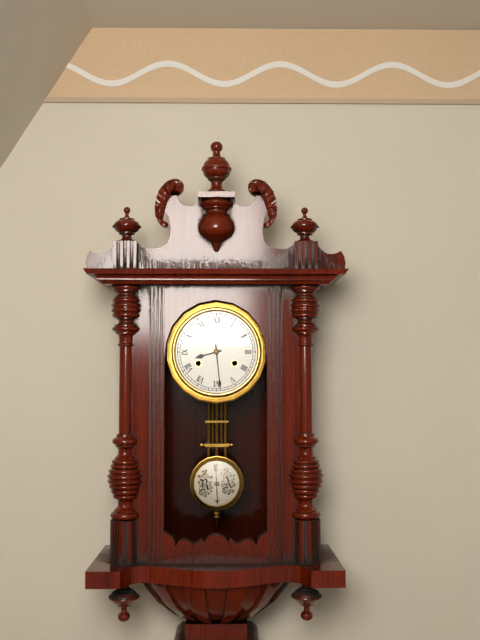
h=8 m=29
